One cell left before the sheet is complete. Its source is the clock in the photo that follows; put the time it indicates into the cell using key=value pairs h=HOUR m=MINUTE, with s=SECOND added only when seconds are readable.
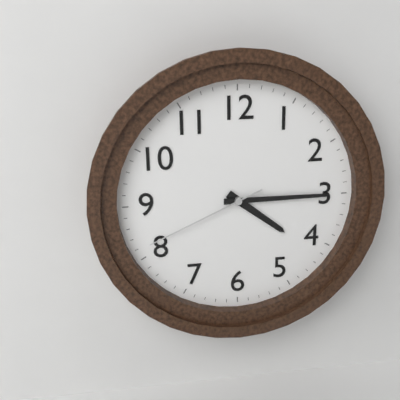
h=4 m=15 s=41
